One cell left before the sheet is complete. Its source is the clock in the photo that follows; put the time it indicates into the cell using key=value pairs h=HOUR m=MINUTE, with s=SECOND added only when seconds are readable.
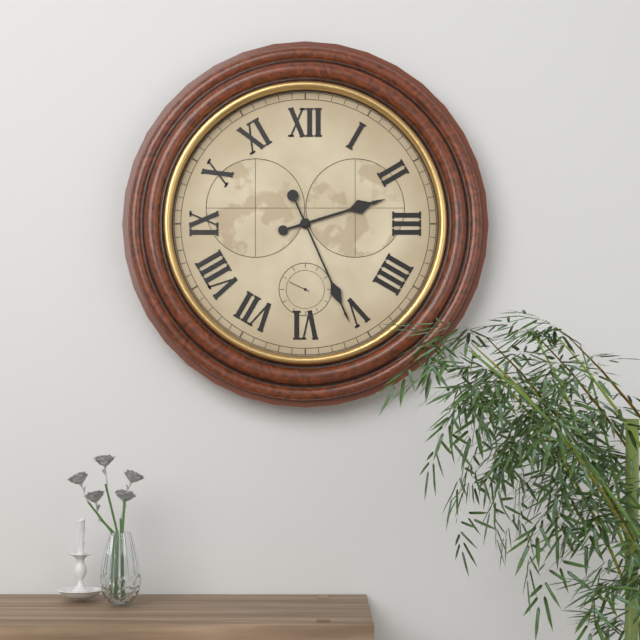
h=2 m=26
